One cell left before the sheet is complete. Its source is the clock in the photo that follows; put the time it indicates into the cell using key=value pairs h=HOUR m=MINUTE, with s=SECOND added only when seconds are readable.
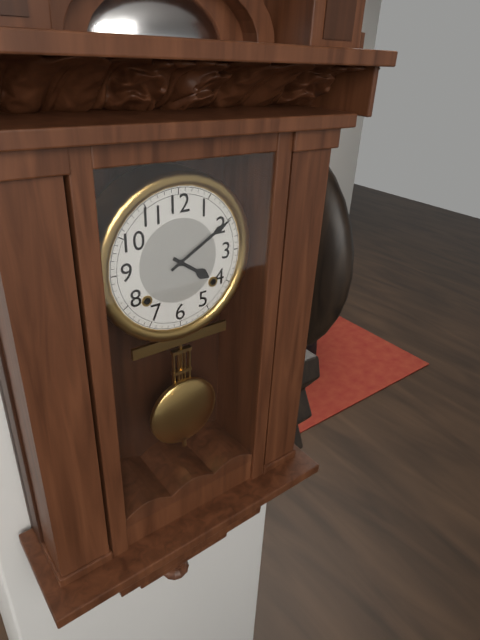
h=4 m=10
